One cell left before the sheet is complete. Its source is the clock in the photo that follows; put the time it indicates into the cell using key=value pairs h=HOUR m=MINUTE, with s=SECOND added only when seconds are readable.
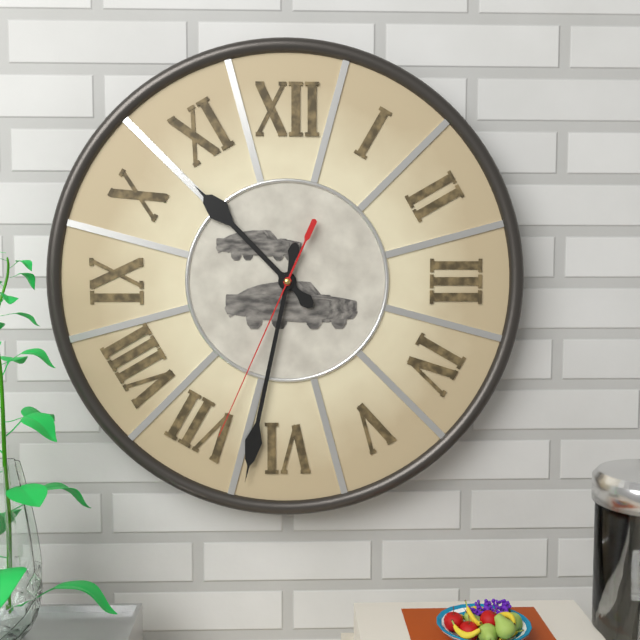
h=10 m=32 s=34
